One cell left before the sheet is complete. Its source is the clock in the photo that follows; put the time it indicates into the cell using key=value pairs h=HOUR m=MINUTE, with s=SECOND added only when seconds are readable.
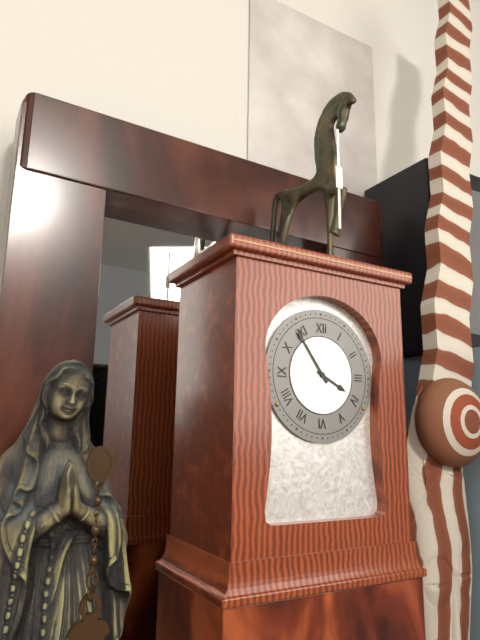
h=3 m=54
